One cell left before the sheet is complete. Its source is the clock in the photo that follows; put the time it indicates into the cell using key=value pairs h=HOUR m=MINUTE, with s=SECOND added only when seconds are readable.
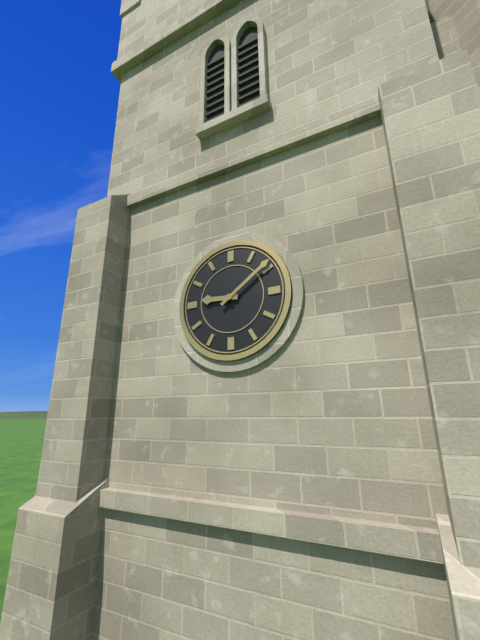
h=9 m=9
